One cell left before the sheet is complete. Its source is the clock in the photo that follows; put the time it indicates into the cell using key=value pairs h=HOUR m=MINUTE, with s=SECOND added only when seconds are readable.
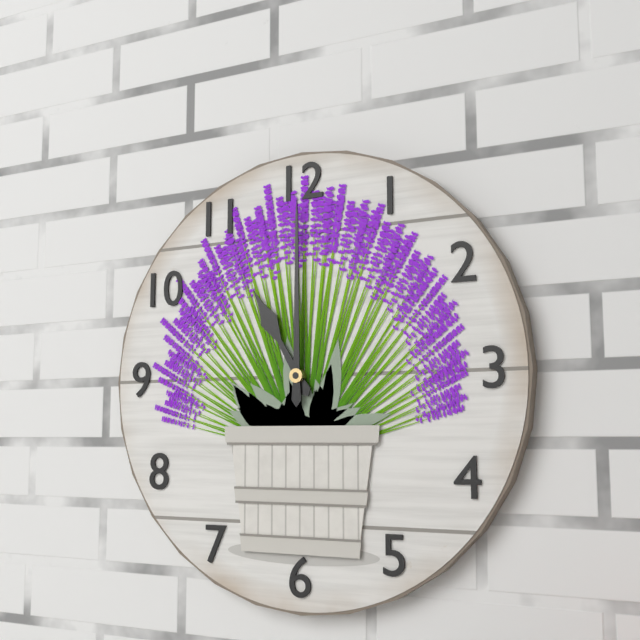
h=11 m=0
